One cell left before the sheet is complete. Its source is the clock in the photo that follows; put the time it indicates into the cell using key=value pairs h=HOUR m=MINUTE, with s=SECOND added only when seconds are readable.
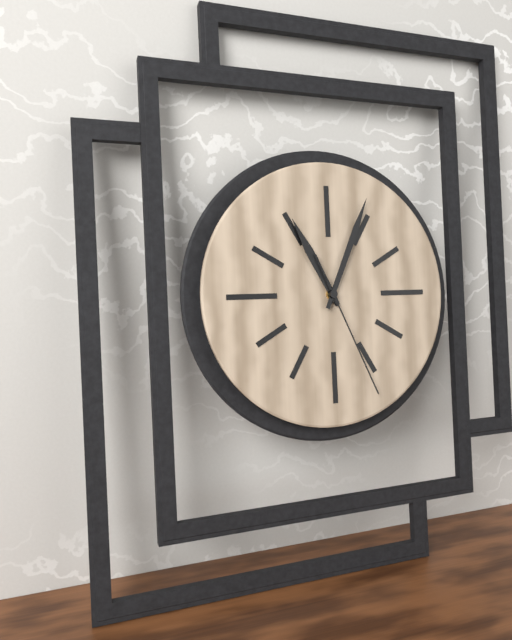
h=11 m=4 s=26
